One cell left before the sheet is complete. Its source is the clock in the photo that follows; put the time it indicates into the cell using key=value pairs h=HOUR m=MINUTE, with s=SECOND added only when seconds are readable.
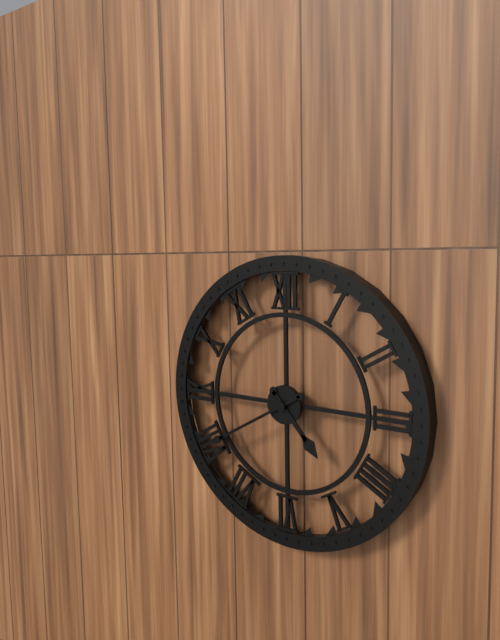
h=4 m=40
